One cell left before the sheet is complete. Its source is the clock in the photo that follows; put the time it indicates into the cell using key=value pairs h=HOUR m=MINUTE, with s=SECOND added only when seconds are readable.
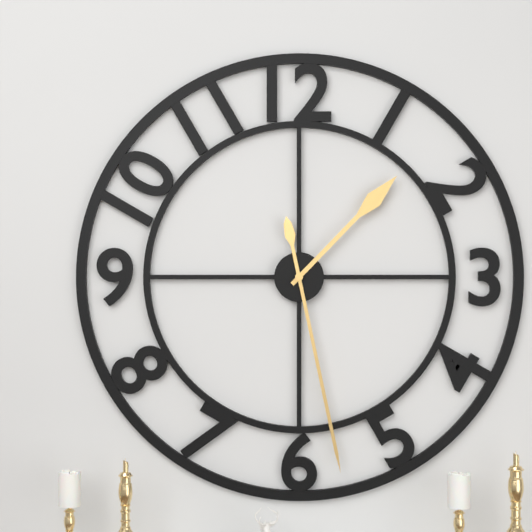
h=1 m=28
